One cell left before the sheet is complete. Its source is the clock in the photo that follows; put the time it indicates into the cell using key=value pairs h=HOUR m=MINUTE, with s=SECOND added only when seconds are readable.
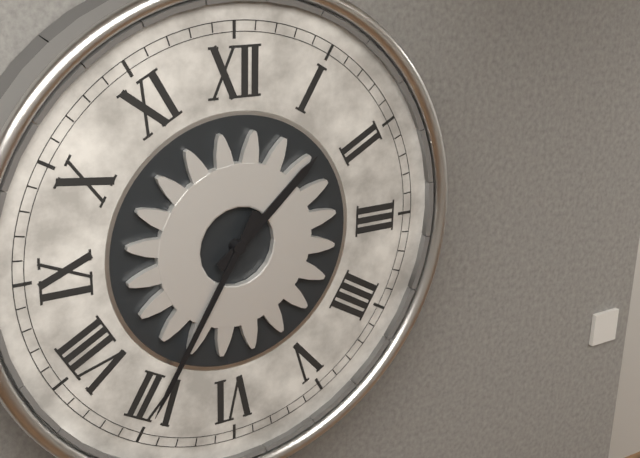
h=1 m=35
